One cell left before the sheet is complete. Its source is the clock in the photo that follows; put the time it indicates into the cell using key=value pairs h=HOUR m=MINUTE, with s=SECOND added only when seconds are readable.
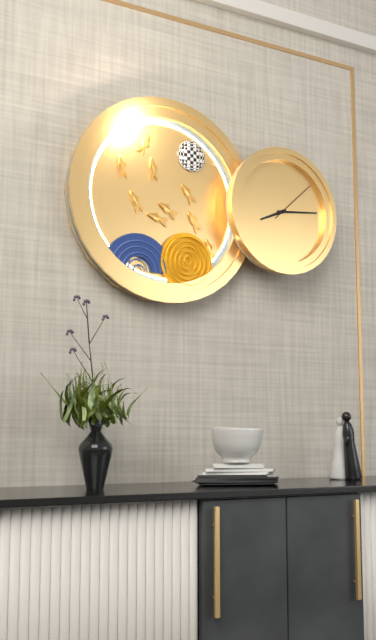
h=8 m=14
